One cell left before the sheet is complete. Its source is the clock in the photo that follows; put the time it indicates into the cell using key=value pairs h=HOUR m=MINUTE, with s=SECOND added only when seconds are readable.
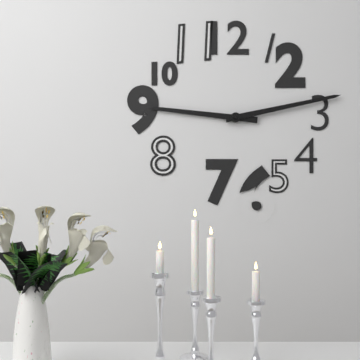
h=9 m=13
